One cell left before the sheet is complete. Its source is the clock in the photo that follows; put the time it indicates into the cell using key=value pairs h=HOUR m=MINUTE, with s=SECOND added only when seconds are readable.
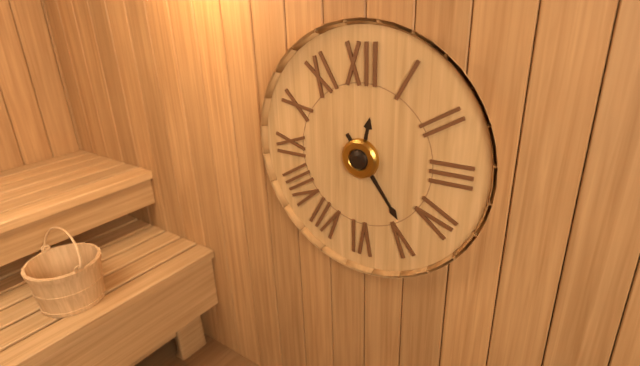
h=12 m=24
